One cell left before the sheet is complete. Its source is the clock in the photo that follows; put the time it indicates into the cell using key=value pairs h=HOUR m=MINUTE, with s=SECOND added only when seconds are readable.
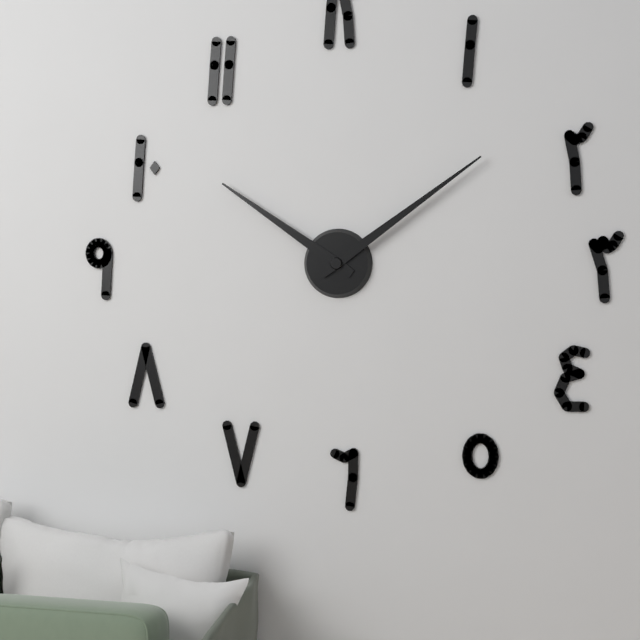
h=10 m=9
